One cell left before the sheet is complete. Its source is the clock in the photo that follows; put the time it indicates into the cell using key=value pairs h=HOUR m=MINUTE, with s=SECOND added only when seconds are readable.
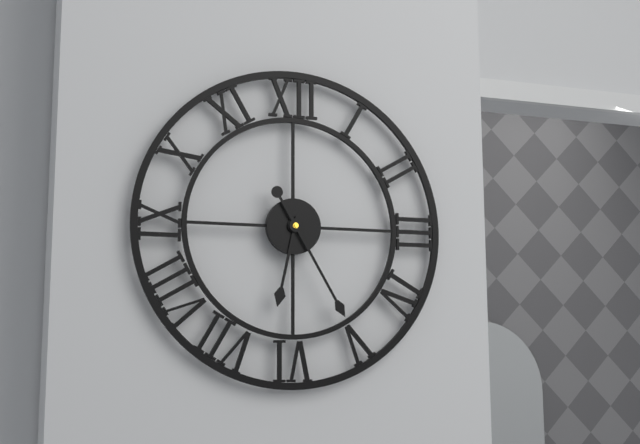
h=6 m=25
